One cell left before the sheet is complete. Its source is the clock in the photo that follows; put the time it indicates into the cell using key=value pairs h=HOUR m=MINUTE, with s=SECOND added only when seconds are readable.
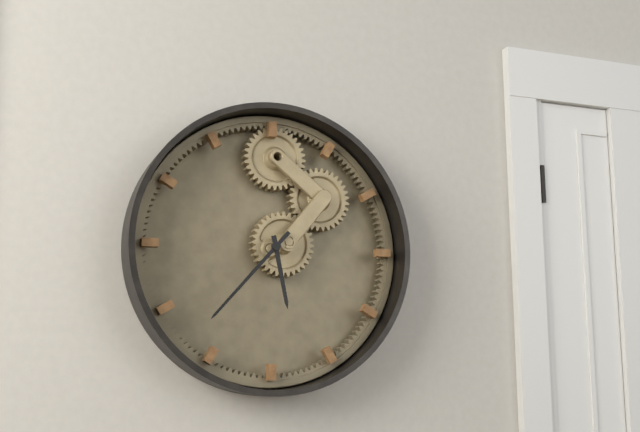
h=5 m=37
